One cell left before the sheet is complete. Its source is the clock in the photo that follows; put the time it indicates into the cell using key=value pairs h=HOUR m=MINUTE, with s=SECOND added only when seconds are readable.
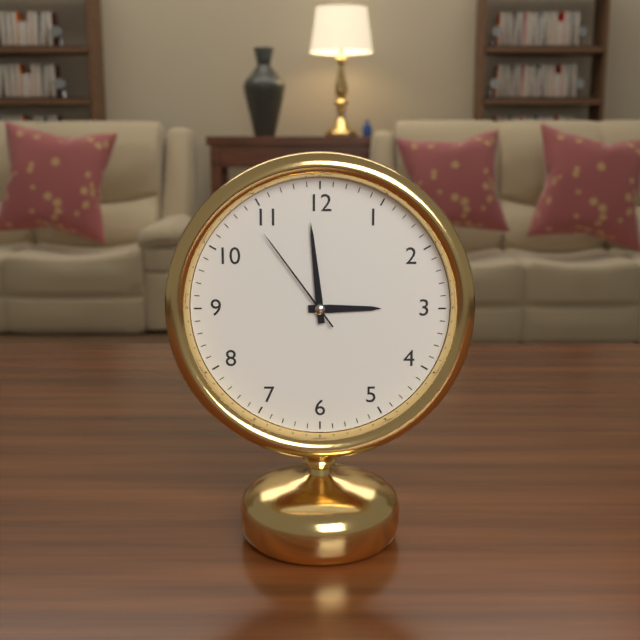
h=2 m=59 s=54
